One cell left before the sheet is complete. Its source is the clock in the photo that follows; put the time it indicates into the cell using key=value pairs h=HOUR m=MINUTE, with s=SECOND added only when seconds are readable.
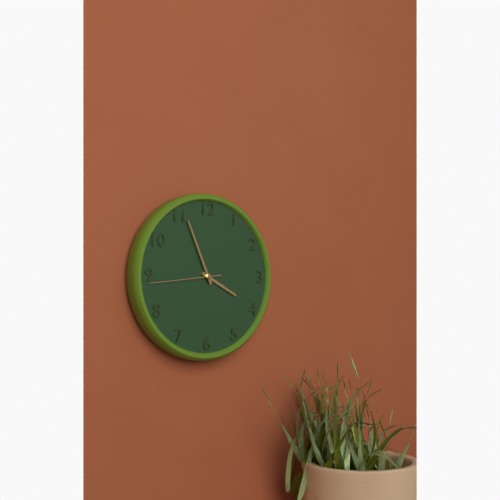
h=3 m=56 s=44
